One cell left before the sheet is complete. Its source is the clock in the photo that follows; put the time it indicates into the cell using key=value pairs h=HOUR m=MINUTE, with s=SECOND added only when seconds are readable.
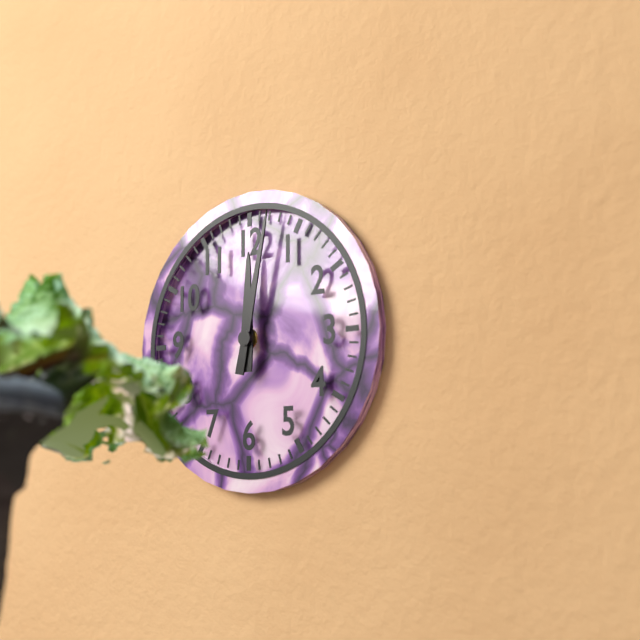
h=12 m=2
